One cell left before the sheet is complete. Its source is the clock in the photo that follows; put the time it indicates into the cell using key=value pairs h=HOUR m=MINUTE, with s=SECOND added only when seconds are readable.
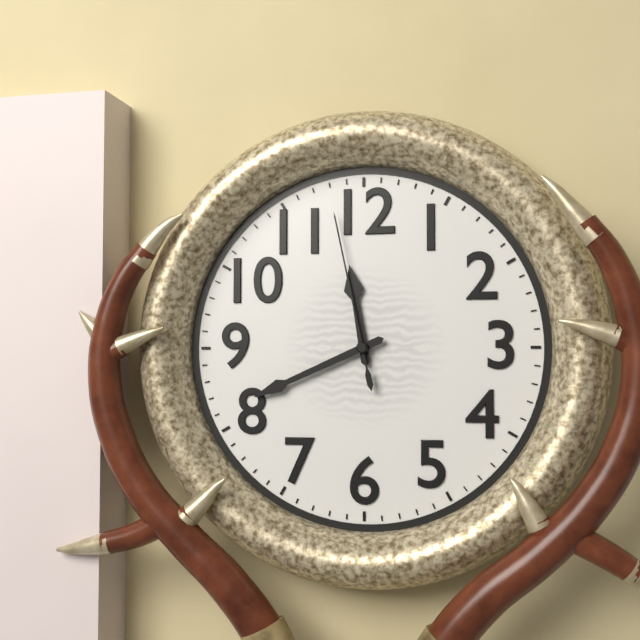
h=11 m=41 s=58
